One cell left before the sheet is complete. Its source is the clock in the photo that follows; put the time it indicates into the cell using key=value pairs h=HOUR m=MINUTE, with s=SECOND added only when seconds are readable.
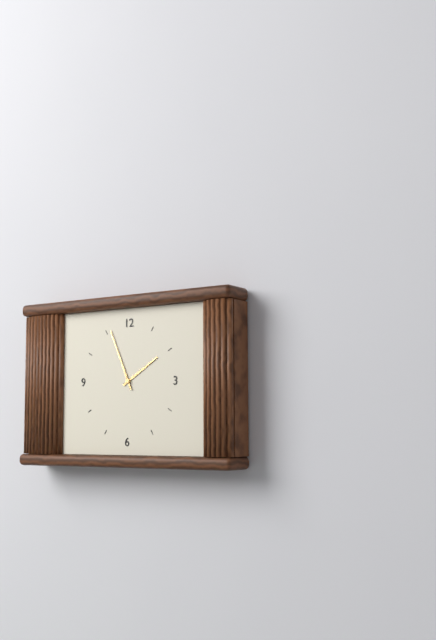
h=1 m=56
